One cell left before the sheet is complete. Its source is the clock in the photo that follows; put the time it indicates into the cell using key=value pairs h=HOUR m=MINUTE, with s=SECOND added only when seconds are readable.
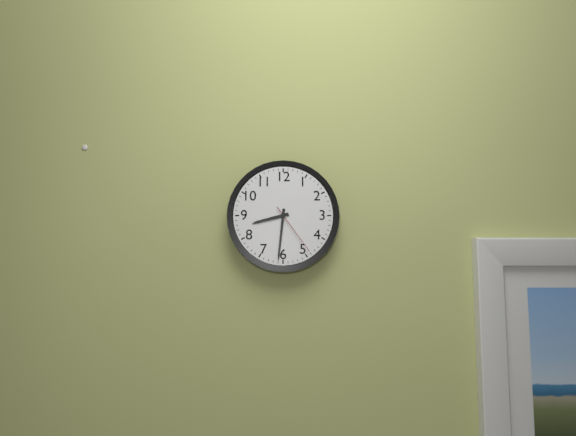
h=8 m=31 s=24
